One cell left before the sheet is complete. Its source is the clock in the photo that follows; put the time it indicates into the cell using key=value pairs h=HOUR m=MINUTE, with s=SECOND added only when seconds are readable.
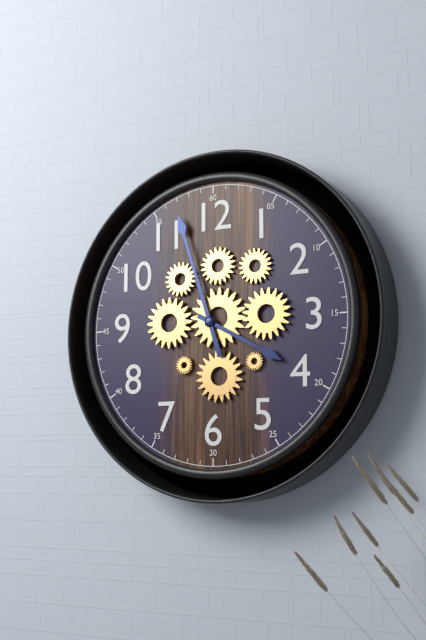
h=3 m=57
